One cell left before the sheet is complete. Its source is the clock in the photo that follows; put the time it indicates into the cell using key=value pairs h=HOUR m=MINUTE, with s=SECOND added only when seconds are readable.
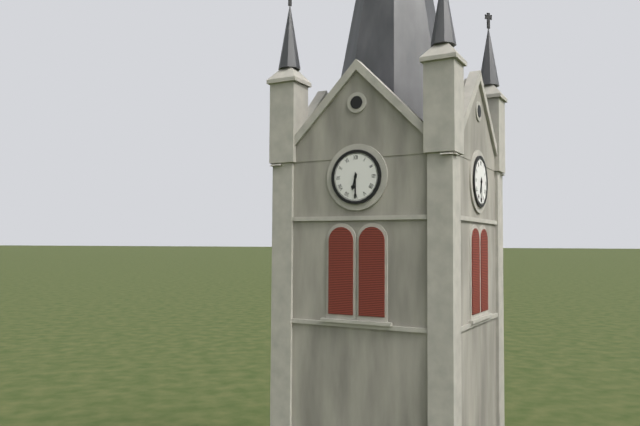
h=6 m=30
